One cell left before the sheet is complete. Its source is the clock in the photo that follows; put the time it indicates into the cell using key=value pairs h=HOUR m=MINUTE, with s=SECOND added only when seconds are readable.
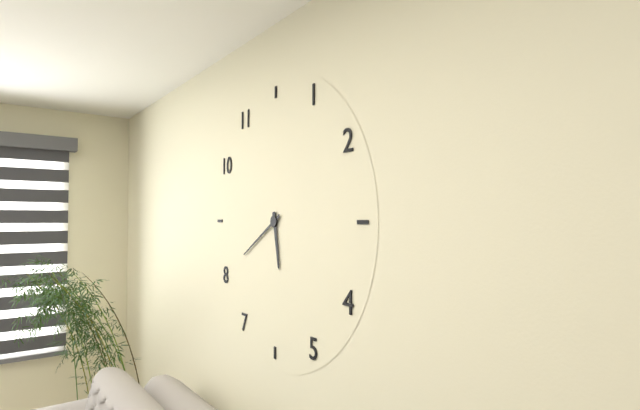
h=5 m=40
